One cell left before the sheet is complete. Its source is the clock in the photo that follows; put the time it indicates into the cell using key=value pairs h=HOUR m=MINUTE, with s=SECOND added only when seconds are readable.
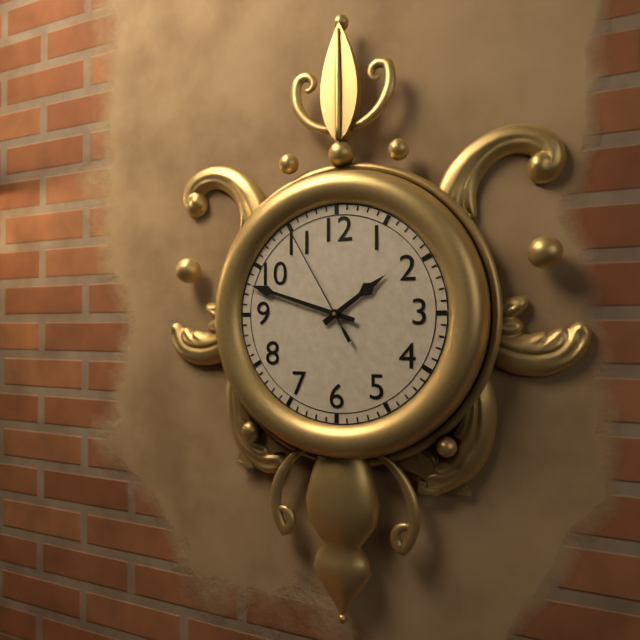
h=1 m=48 s=55
